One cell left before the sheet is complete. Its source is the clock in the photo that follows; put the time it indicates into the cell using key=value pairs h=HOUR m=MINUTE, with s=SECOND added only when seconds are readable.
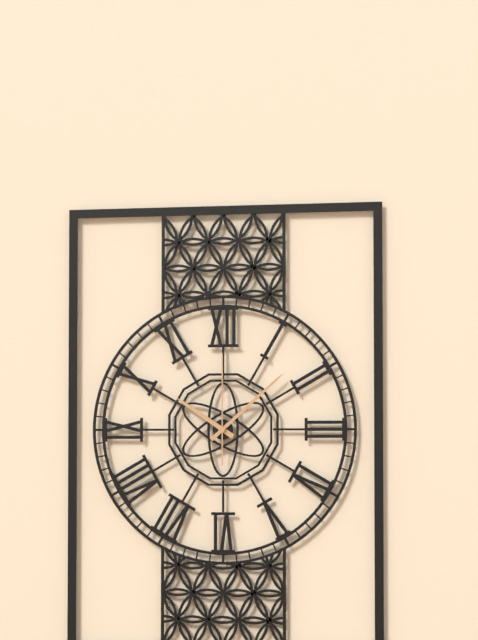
h=10 m=8 s=0
